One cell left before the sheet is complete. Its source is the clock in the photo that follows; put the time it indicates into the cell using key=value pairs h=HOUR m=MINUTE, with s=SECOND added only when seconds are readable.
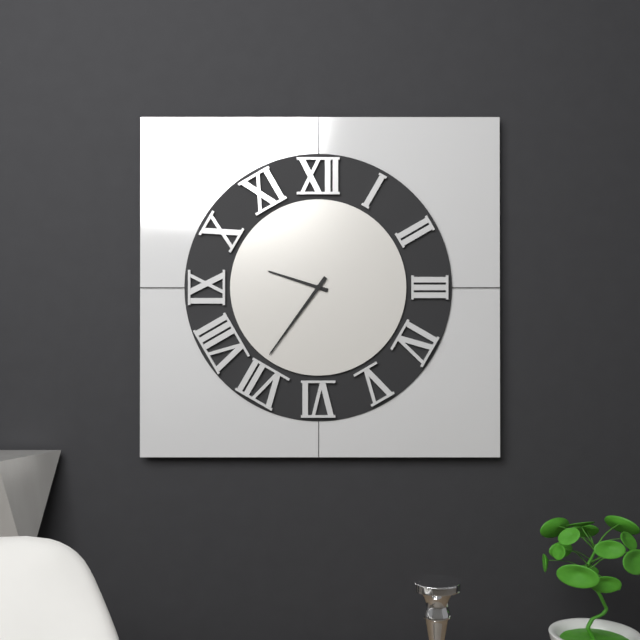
h=9 m=36
